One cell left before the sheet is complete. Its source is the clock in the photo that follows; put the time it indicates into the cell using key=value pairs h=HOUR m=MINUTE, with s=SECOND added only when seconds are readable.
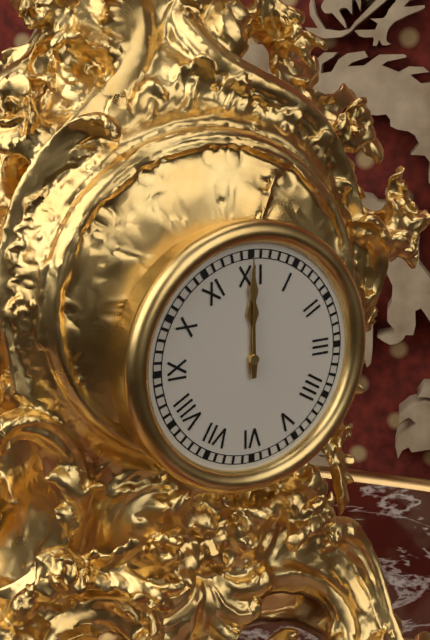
h=12 m=0
